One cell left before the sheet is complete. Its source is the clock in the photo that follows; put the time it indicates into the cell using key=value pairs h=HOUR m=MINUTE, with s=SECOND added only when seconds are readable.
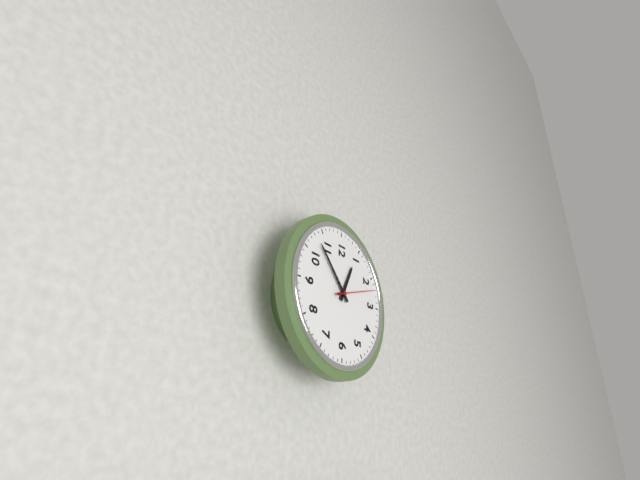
h=12 m=53
